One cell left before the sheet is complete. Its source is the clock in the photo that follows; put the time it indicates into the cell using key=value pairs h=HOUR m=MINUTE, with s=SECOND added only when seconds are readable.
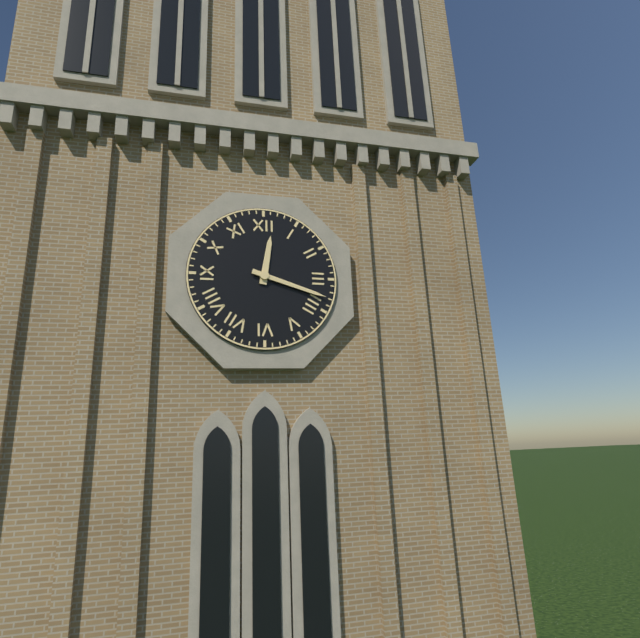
h=12 m=18
